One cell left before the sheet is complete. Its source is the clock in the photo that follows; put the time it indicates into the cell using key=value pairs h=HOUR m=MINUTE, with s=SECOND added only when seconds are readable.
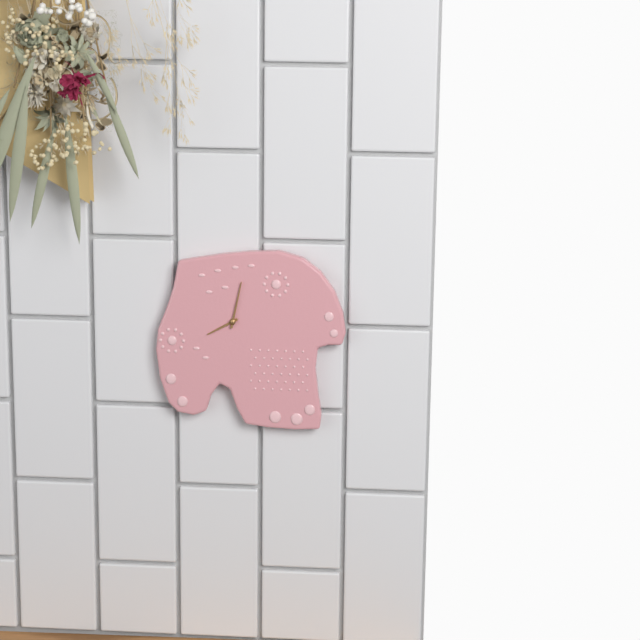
h=8 m=2
